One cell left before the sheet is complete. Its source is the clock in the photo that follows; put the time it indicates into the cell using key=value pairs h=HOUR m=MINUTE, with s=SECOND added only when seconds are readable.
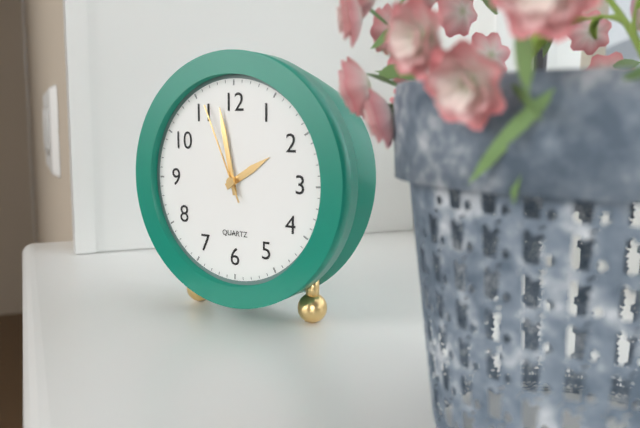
h=1 m=58 s=56
